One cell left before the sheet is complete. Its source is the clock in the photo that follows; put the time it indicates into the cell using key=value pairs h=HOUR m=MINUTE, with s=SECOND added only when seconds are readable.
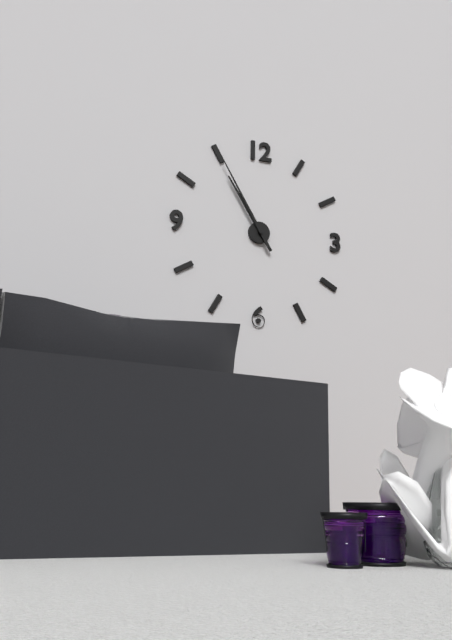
h=10 m=55
